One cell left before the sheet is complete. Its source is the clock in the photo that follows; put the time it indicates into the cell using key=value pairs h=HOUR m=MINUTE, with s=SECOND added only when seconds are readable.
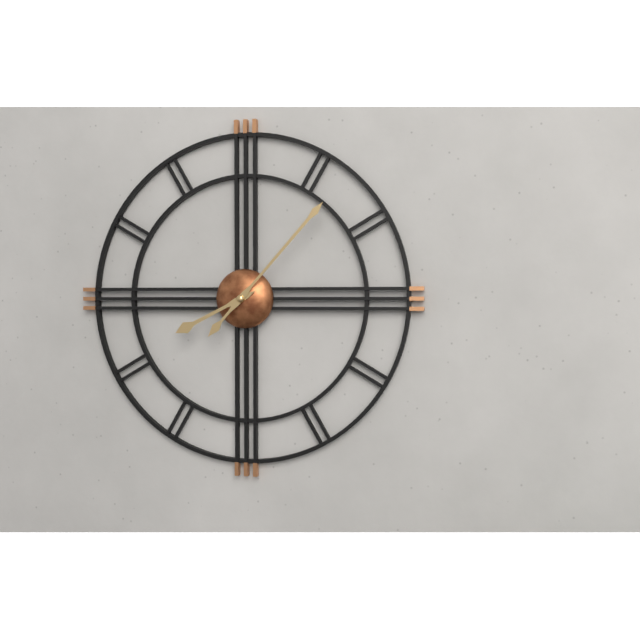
h=8 m=7
